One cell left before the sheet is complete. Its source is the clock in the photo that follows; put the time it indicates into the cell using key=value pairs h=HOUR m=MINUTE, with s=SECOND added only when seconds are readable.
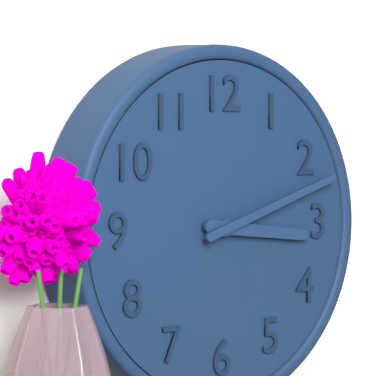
h=3 m=12
